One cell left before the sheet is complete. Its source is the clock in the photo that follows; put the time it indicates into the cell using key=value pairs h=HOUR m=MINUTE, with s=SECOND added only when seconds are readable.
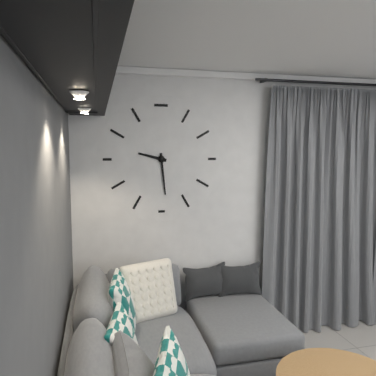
h=9 m=29
